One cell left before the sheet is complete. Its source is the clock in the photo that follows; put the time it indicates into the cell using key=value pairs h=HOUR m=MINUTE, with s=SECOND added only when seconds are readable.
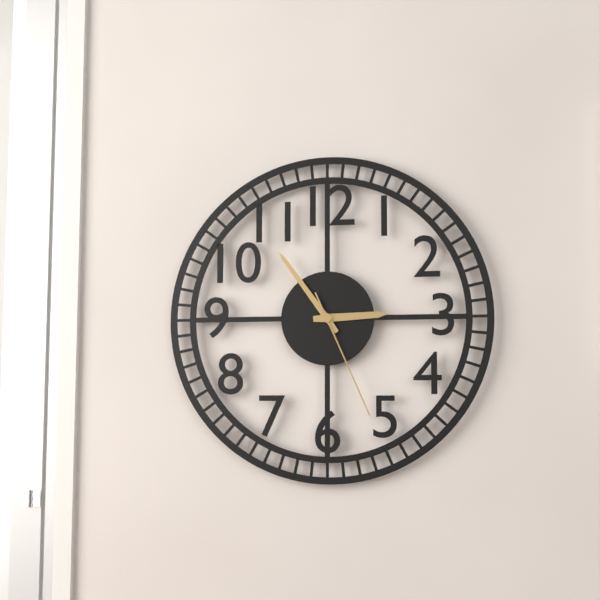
h=2 m=54 s=26
